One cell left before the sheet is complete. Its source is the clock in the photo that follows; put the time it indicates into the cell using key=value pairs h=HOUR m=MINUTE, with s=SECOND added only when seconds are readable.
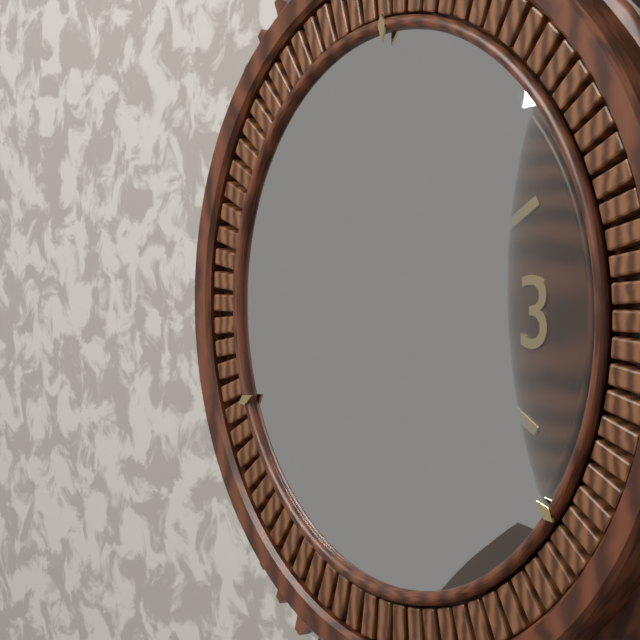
h=4 m=58 s=31
